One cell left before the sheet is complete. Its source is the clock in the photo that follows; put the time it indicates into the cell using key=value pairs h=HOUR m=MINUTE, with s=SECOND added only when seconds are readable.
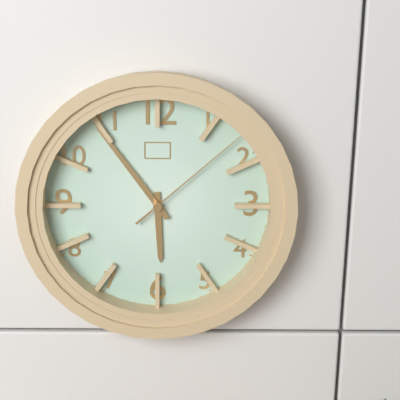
h=5 m=54 s=8
